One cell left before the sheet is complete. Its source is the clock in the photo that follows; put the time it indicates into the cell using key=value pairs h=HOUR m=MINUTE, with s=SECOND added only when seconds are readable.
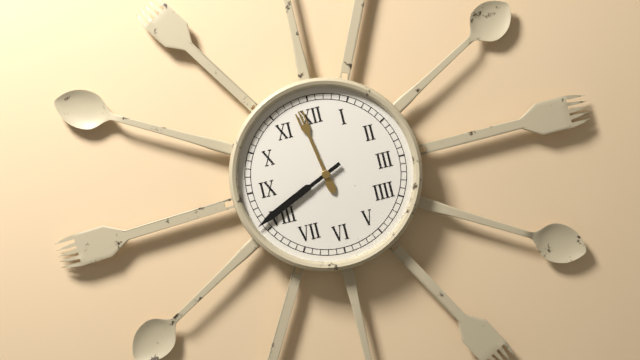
h=11 m=41
